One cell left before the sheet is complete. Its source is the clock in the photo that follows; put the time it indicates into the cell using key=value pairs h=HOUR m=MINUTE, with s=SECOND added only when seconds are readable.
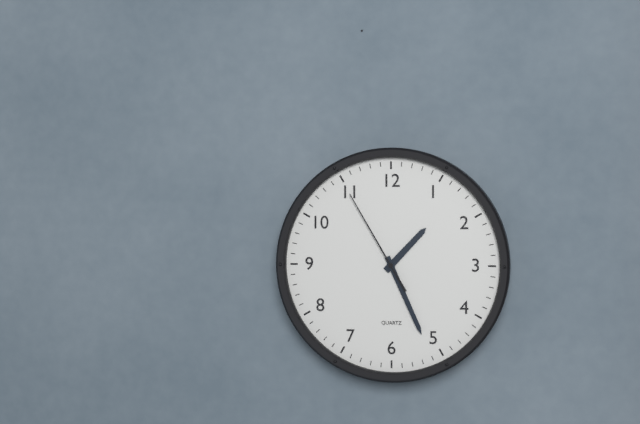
h=1 m=26 s=55
